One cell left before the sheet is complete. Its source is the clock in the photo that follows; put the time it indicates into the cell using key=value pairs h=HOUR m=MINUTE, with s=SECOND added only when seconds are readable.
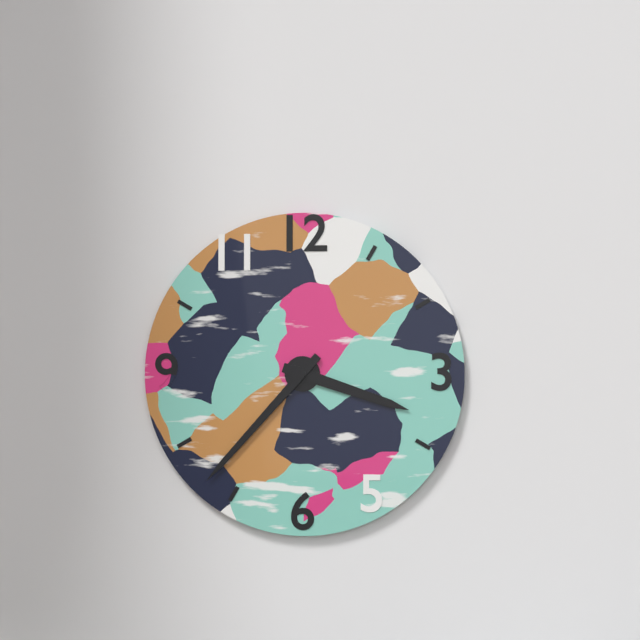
h=3 m=37
